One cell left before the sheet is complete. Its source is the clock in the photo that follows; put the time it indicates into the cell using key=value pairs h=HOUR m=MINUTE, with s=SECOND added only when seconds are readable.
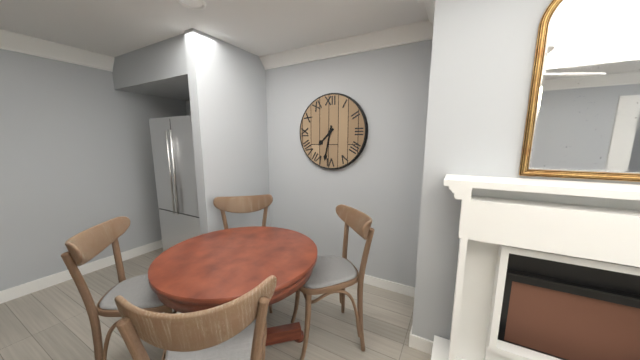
h=7 m=32
